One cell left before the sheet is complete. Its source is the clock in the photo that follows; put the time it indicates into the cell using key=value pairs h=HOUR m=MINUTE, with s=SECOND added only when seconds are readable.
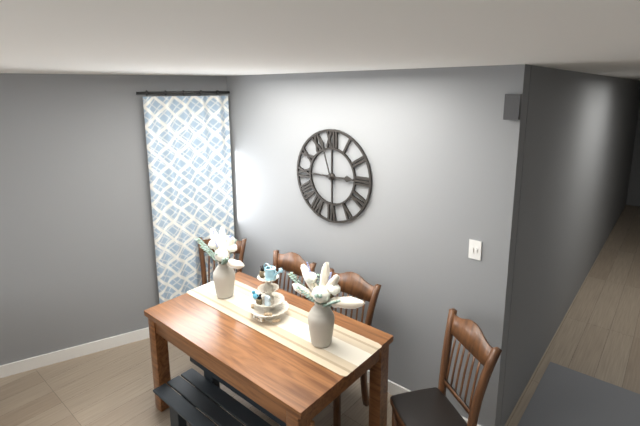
h=2 m=57
